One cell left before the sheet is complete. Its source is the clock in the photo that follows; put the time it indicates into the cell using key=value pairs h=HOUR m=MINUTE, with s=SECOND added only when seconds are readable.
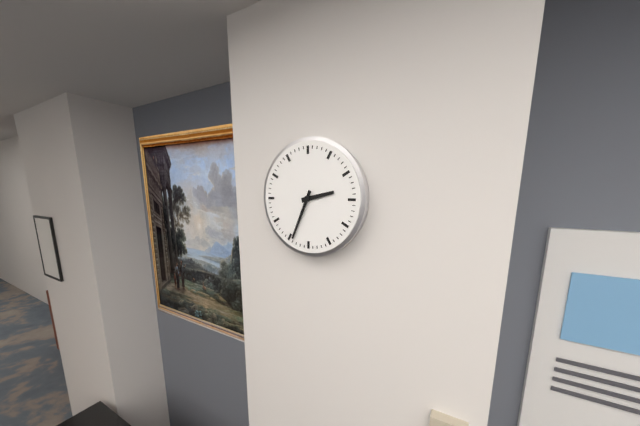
h=2 m=34
